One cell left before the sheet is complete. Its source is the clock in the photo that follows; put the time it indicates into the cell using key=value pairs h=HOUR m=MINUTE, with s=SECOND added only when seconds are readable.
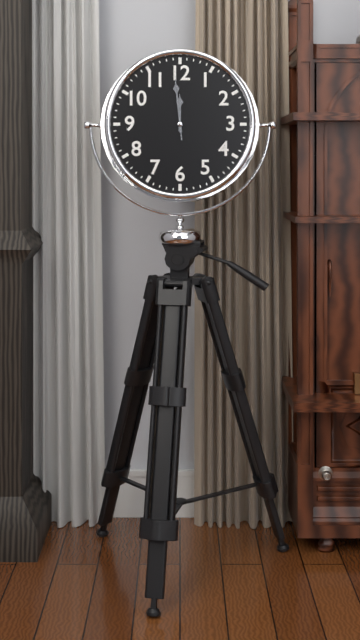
h=11 m=59 s=59
